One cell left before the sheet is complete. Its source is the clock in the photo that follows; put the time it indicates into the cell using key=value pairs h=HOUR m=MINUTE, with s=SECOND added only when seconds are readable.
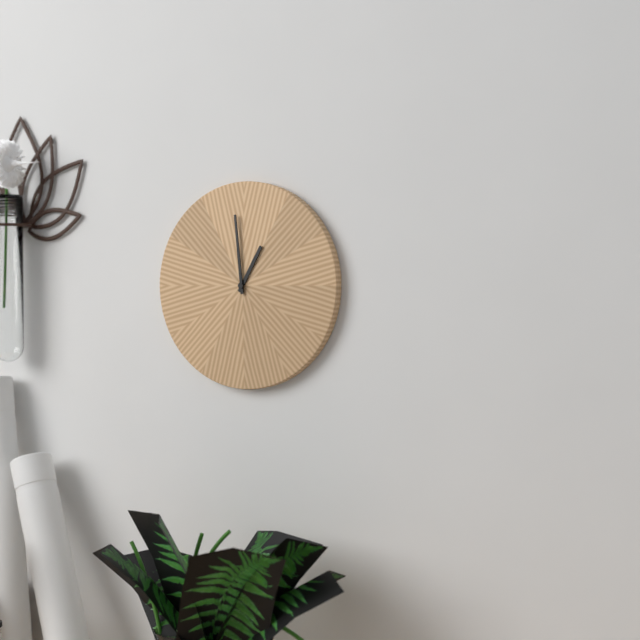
h=12 m=59
